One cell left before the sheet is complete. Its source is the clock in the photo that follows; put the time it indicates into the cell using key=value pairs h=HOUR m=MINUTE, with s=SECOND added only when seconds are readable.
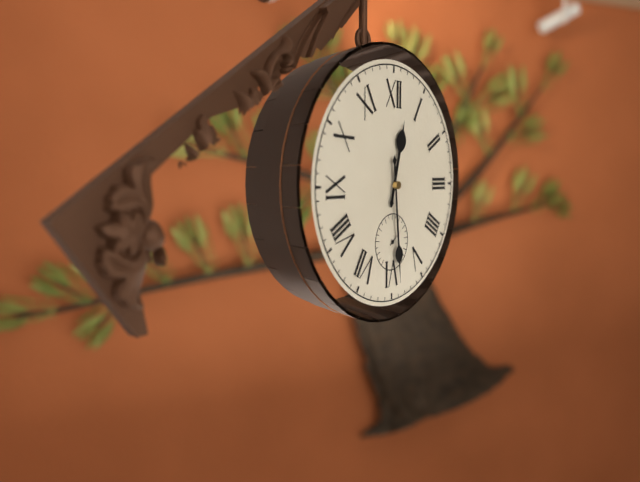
h=12 m=29
